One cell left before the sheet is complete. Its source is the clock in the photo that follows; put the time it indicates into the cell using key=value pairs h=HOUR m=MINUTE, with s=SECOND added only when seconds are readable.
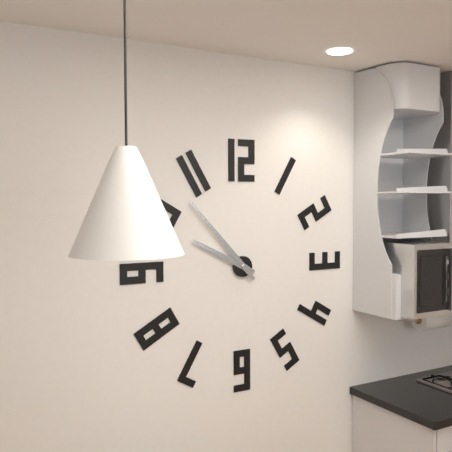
h=9 m=53
